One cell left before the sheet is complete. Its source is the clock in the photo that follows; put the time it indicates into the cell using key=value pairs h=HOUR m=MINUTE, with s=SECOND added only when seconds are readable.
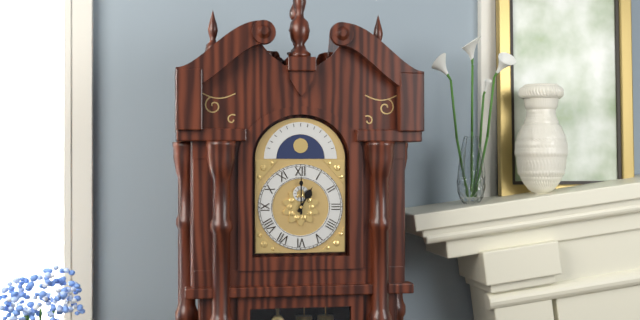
h=1 m=0
